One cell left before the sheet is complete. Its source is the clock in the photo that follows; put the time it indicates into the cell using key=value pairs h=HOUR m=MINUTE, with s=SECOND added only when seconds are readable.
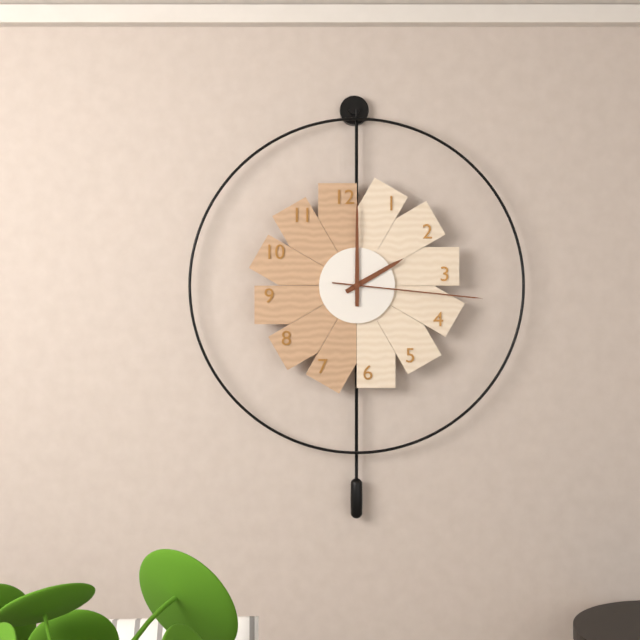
h=2 m=0 s=16
